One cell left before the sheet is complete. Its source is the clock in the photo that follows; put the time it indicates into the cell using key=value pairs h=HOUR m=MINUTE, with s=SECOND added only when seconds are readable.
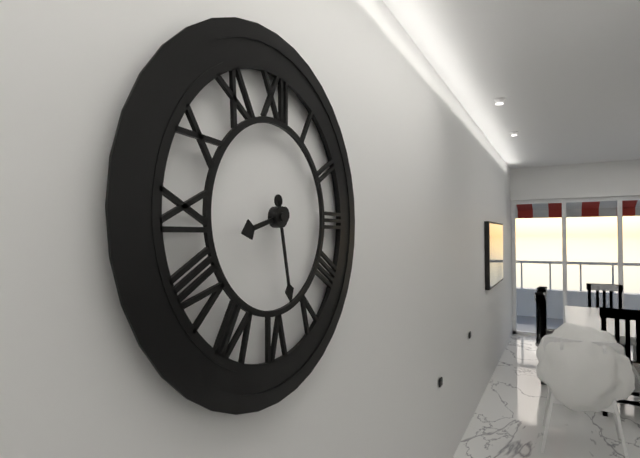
h=8 m=28
